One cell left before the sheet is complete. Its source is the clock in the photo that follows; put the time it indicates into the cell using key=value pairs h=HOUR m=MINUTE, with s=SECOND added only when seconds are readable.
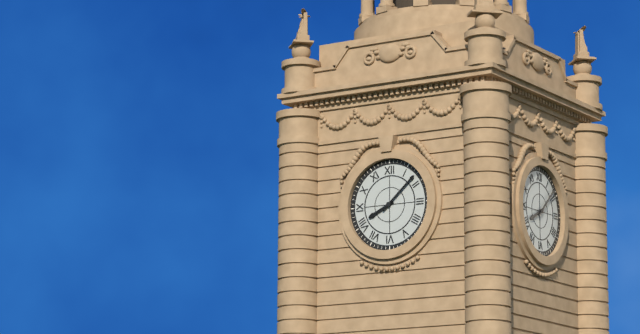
h=8 m=8
